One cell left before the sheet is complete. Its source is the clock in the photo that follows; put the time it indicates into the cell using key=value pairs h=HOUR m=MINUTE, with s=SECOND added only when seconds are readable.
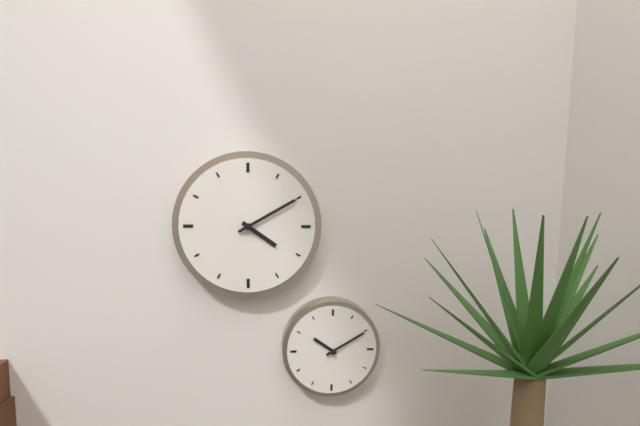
h=4 m=10
